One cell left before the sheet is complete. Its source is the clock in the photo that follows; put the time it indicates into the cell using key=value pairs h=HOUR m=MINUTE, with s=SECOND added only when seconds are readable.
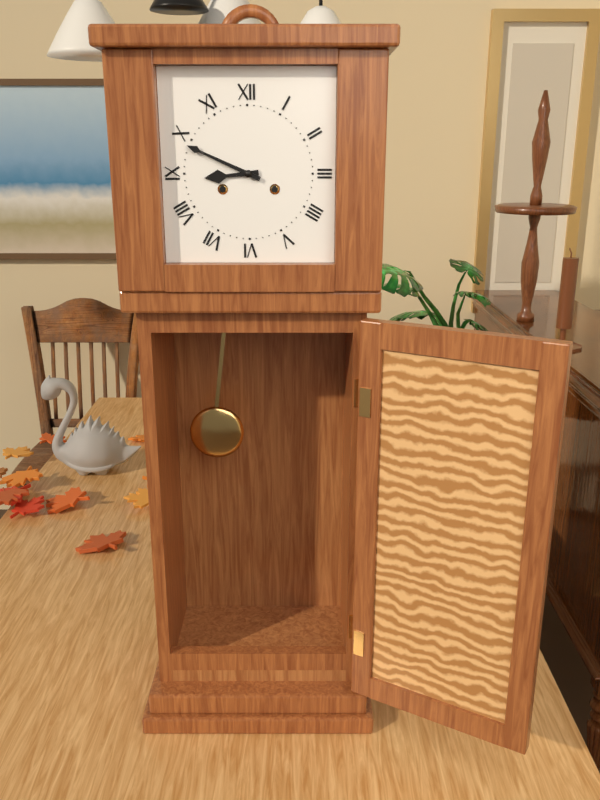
h=8 m=49
